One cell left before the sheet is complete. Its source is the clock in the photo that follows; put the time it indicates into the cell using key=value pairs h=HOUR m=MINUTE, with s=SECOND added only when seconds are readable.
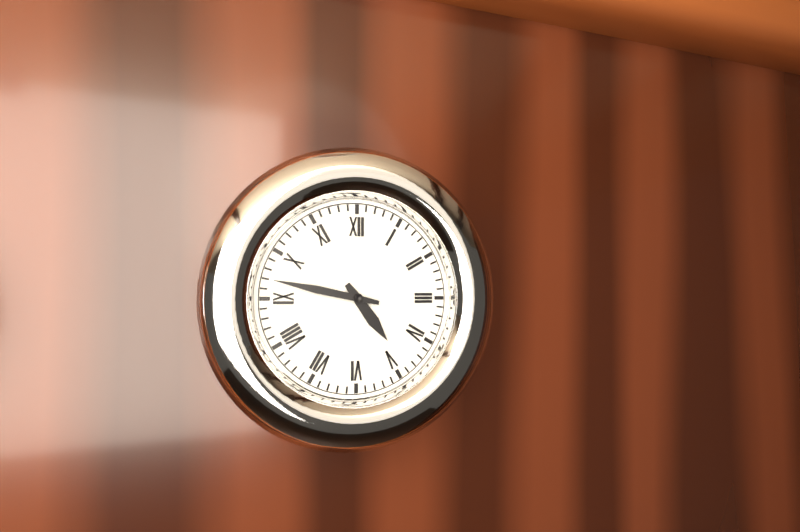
h=4 m=47
